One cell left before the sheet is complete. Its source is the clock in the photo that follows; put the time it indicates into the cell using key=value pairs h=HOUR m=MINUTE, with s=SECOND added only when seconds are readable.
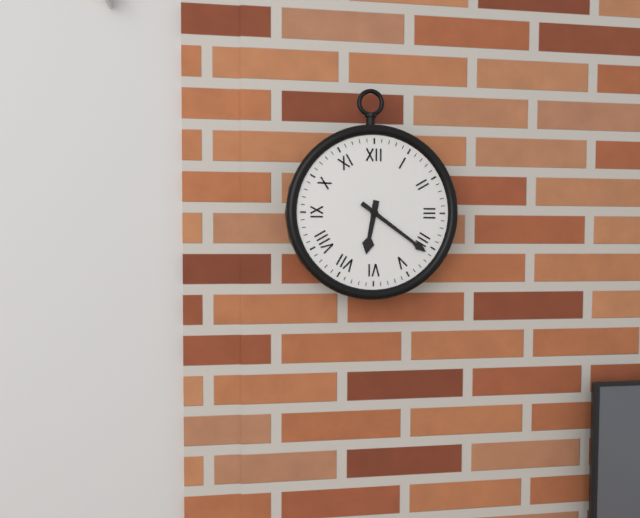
h=6 m=21
